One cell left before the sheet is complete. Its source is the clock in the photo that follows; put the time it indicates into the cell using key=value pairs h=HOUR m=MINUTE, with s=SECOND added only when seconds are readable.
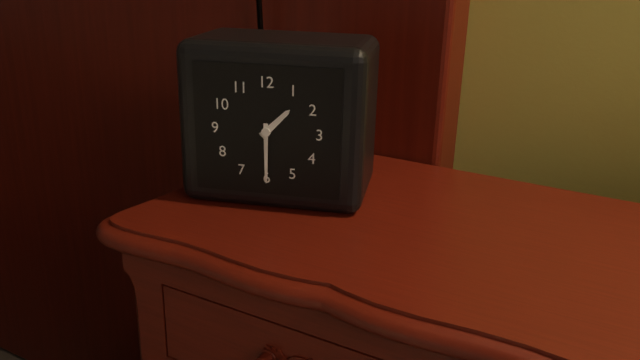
h=1 m=30
